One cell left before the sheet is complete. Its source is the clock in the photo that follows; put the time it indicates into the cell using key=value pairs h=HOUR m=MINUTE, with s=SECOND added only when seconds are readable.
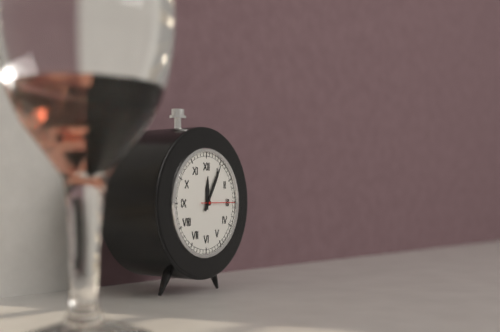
h=12 m=5
